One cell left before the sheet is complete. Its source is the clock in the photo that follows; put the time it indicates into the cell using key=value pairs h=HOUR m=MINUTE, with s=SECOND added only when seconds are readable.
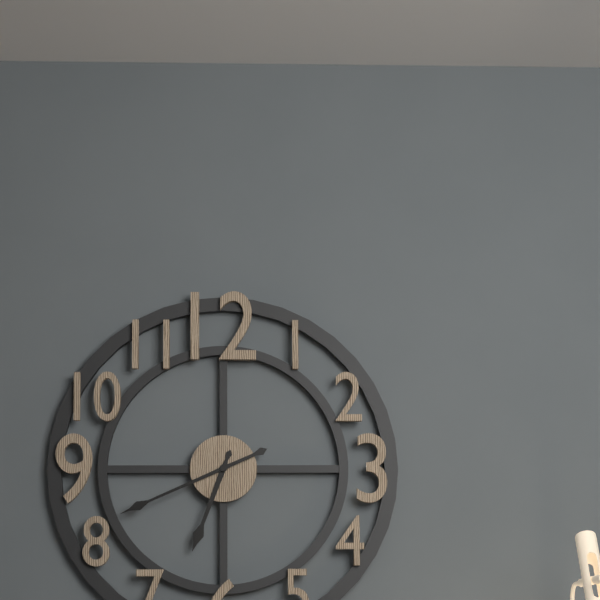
h=6 m=41
